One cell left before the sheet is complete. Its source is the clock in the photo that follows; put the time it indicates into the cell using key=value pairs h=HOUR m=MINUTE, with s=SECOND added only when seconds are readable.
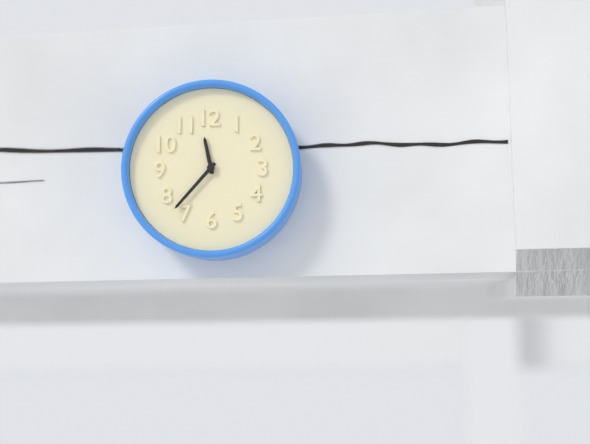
h=11 m=37
